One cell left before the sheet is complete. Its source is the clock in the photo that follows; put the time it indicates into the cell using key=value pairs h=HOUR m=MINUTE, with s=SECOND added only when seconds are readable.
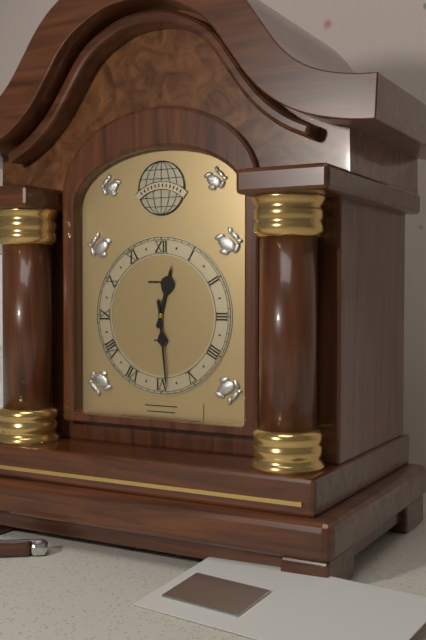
h=12 m=29
